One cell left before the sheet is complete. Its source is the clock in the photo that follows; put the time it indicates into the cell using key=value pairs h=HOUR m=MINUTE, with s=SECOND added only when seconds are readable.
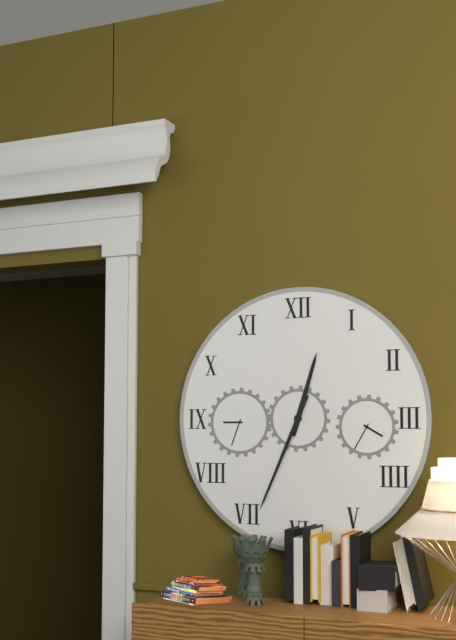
h=12 m=34
